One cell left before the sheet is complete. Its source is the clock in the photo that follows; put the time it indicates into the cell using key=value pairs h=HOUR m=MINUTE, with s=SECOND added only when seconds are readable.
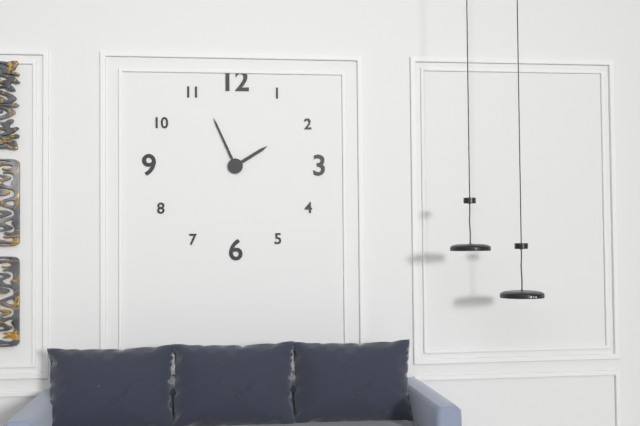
h=1 m=56
